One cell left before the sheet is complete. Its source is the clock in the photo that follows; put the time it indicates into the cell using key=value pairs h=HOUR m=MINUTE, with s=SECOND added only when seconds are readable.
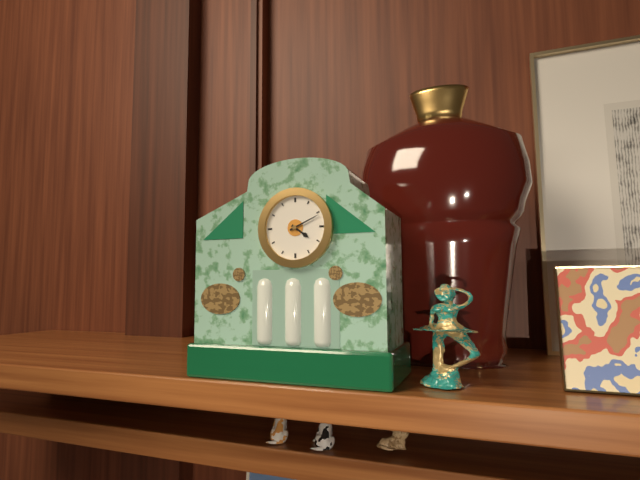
h=4 m=11
